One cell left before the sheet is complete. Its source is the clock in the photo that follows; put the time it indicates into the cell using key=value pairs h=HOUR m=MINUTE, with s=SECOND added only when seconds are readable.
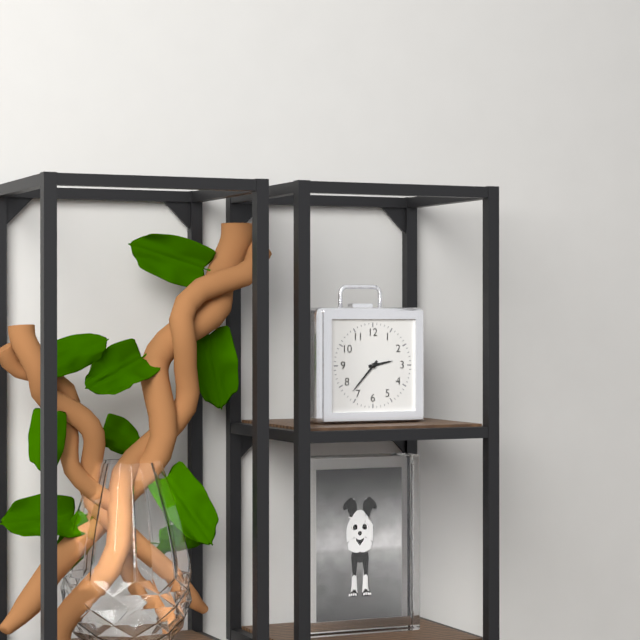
h=2 m=37
